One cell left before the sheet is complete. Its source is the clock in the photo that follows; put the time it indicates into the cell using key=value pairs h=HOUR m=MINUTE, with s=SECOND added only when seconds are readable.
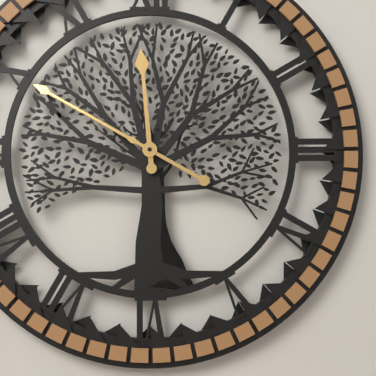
h=11 m=50
